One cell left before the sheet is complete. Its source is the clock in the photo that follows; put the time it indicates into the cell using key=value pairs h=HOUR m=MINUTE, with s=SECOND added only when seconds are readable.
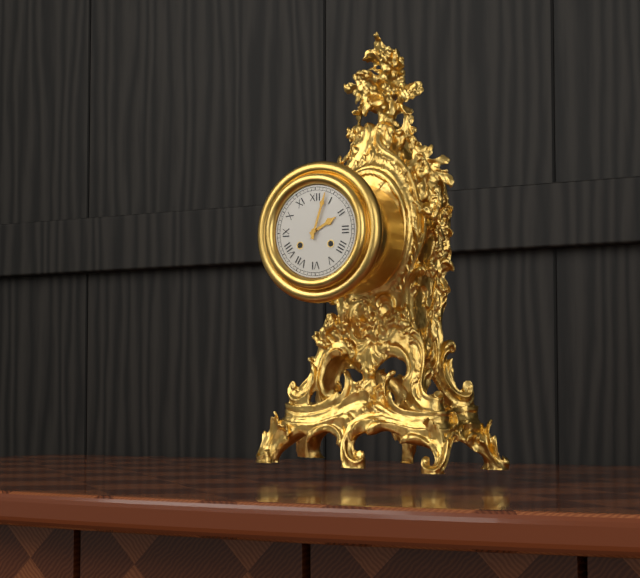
h=2 m=3
